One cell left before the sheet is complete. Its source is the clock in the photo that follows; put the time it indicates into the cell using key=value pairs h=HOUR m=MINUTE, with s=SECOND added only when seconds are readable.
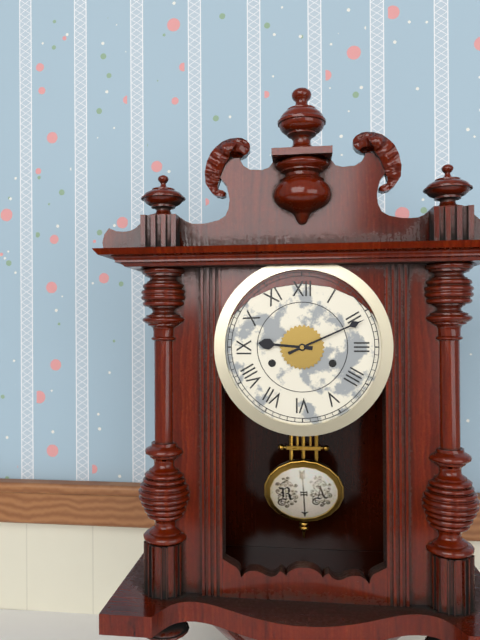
h=9 m=11
